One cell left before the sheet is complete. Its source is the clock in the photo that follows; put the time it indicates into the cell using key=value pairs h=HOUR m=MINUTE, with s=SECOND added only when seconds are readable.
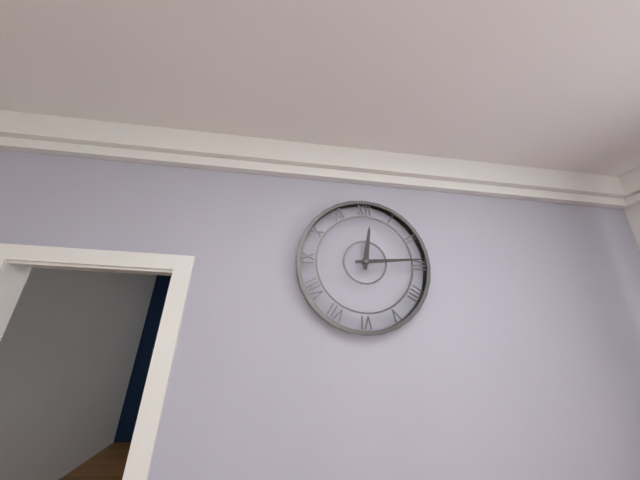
h=12 m=14
